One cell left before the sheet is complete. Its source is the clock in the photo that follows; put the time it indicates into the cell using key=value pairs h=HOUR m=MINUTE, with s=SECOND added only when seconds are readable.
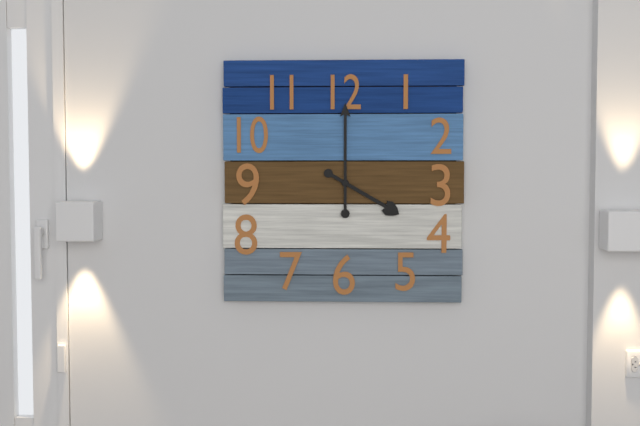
h=4 m=0
